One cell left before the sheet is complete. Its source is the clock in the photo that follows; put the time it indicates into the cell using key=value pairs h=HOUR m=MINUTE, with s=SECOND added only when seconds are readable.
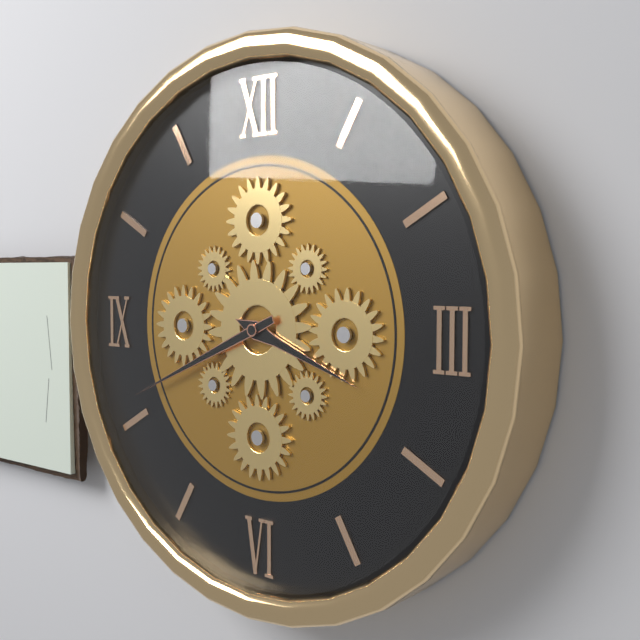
h=3 m=41
